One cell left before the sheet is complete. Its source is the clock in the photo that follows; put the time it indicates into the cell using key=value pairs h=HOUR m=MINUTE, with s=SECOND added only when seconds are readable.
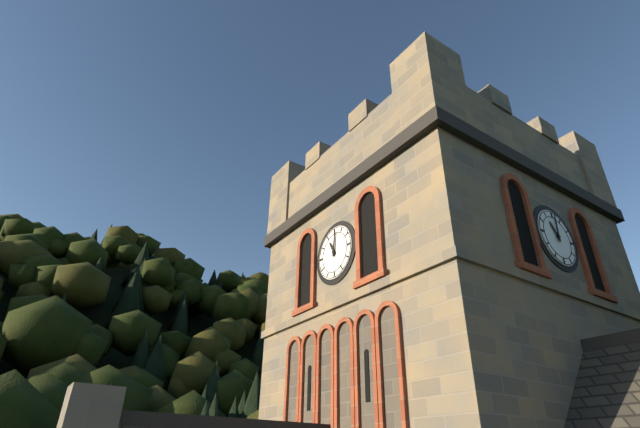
h=11 m=1
